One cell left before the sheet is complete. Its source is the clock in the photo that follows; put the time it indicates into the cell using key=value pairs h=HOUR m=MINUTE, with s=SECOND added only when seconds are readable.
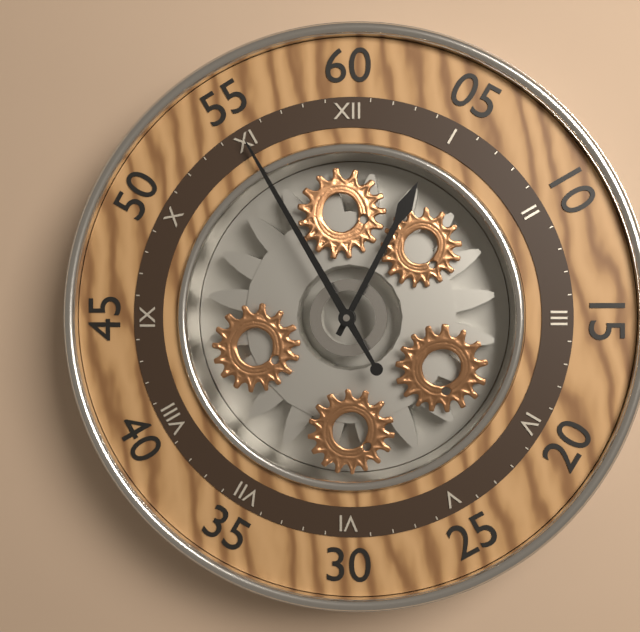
h=12 m=55
